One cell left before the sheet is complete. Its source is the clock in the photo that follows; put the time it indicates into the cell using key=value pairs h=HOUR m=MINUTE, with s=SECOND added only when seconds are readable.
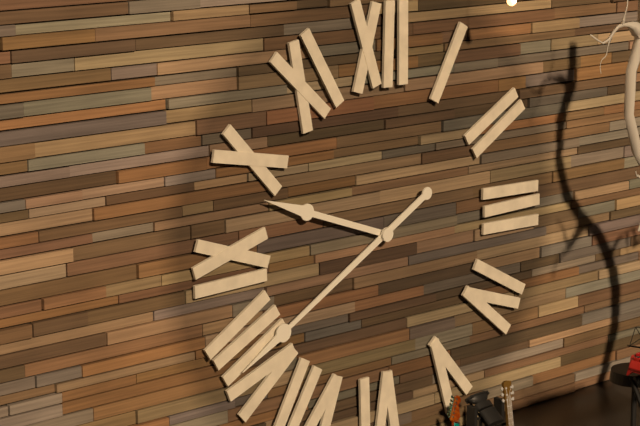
h=9 m=40
